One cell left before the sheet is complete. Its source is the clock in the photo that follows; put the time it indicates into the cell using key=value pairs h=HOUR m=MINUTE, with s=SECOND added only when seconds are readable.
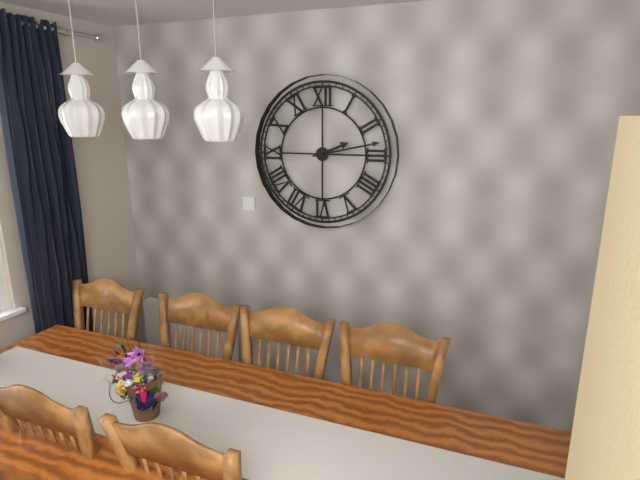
h=2 m=13
